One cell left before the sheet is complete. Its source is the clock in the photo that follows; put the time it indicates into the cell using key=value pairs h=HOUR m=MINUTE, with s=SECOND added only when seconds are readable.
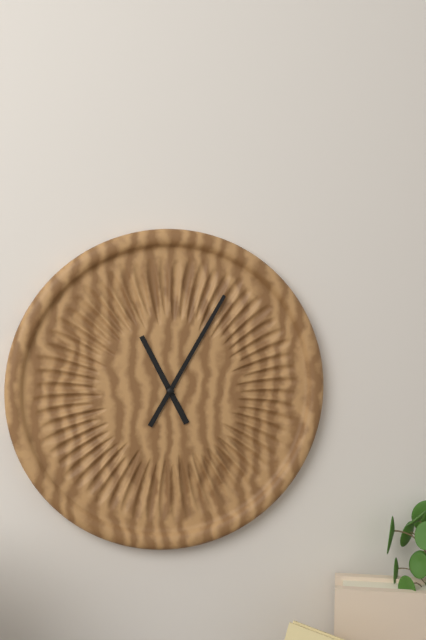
h=11 m=5
